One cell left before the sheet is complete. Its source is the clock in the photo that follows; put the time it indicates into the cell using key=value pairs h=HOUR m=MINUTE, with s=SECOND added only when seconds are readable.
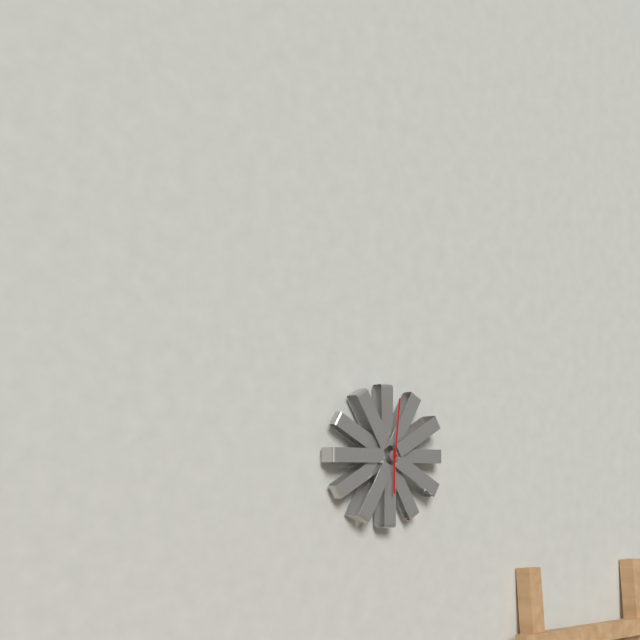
h=6 m=1
